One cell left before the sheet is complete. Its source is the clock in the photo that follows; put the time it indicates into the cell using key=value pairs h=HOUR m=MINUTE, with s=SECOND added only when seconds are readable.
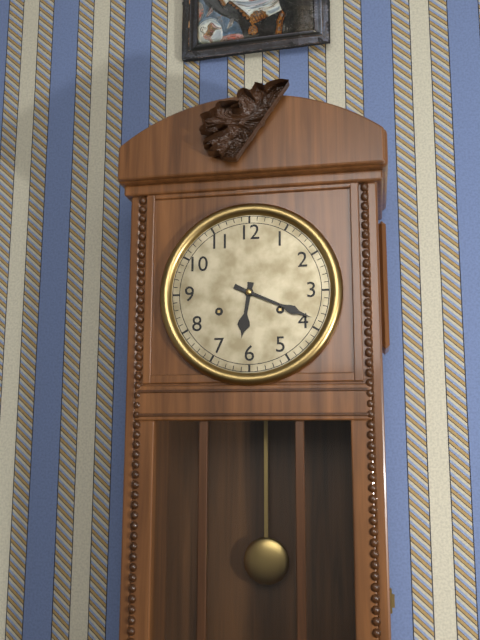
h=6 m=19
